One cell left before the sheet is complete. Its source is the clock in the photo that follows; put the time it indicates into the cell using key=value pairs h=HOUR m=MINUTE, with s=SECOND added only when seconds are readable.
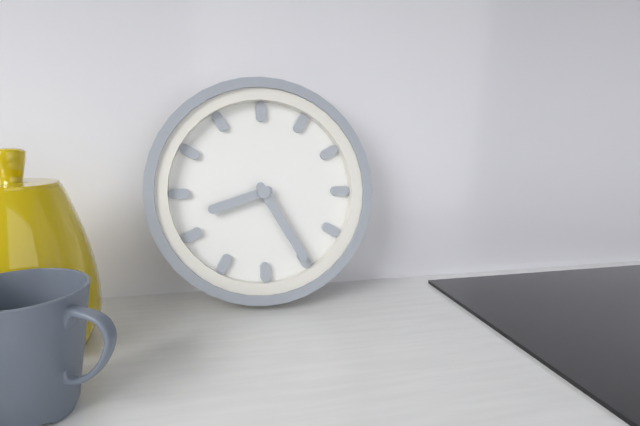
h=8 m=25
